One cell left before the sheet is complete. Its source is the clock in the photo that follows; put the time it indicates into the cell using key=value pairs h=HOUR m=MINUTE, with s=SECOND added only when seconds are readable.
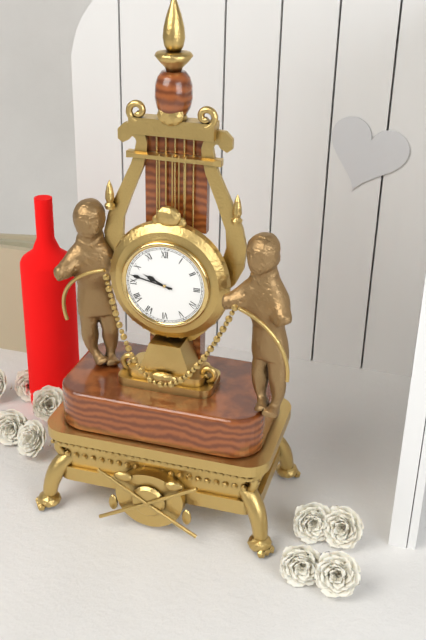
h=9 m=47
